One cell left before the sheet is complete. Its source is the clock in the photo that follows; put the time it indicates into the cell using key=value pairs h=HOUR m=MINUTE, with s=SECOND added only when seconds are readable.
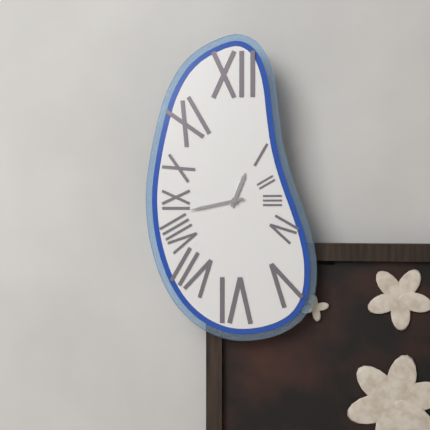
h=12 m=43
